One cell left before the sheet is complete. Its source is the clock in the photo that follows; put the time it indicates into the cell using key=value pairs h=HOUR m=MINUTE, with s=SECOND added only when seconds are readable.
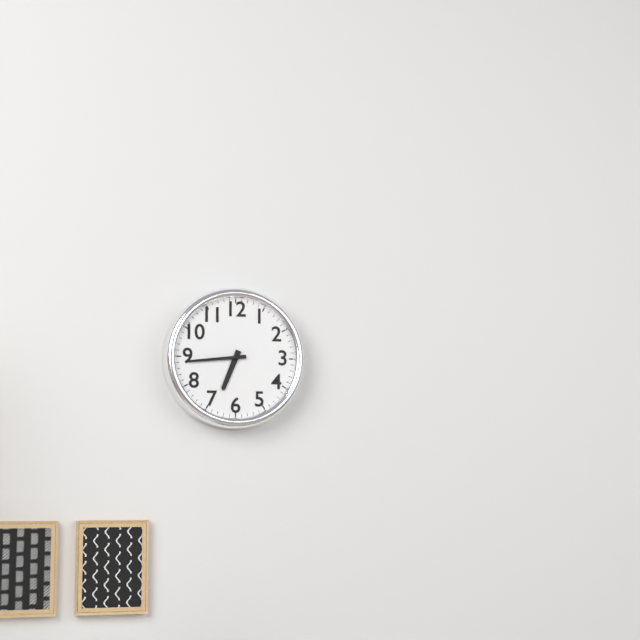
h=6 m=44
